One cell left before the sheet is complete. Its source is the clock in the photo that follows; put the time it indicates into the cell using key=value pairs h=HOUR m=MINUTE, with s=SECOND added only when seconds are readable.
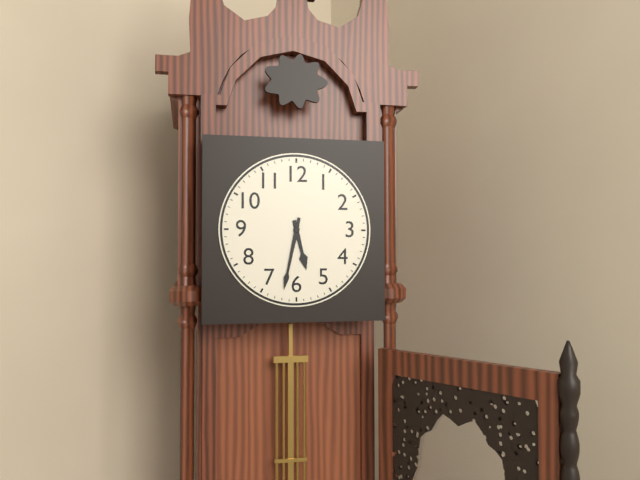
h=5 m=32
